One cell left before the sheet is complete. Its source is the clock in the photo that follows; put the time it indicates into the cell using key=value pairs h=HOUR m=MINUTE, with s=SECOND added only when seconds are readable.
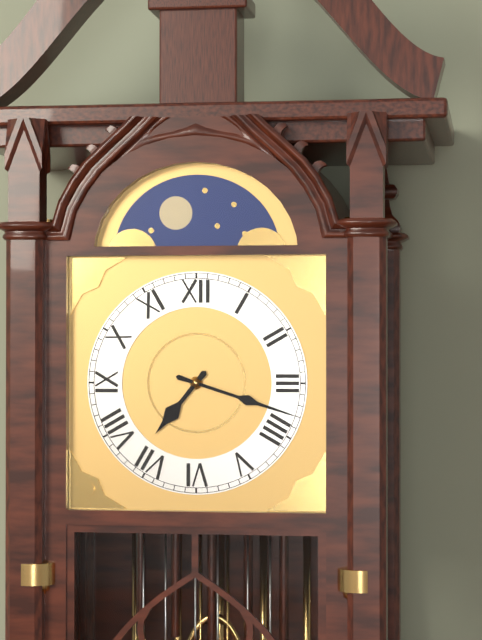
h=7 m=18
